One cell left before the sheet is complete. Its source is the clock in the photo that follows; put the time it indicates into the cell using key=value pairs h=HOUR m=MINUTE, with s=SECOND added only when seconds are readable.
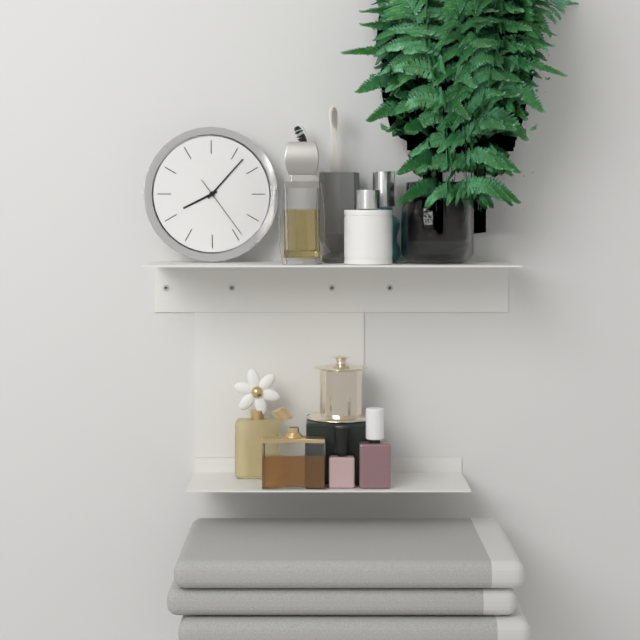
h=8 m=7 s=24
